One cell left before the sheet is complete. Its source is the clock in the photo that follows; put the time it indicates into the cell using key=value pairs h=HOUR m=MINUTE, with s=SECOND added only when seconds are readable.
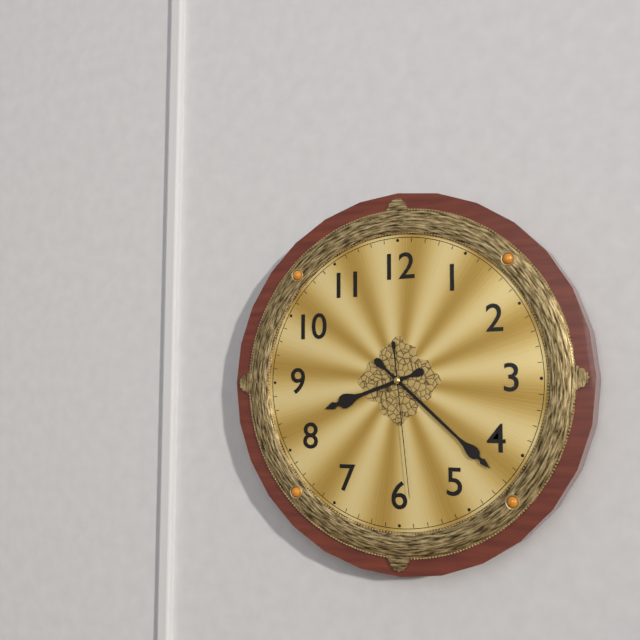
h=8 m=22 s=29
